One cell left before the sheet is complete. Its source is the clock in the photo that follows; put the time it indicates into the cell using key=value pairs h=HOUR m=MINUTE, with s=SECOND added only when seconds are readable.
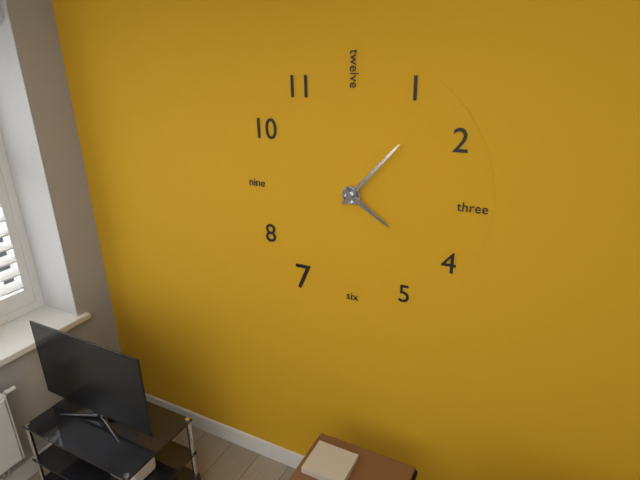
h=4 m=7
